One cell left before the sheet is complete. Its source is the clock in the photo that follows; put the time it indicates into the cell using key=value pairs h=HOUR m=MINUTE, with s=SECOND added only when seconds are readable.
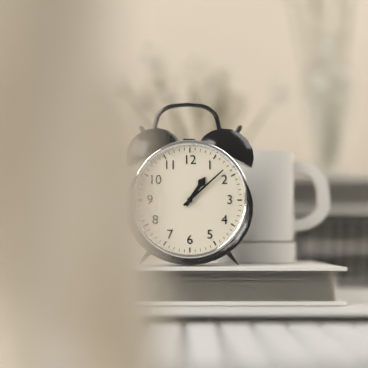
h=1 m=8
